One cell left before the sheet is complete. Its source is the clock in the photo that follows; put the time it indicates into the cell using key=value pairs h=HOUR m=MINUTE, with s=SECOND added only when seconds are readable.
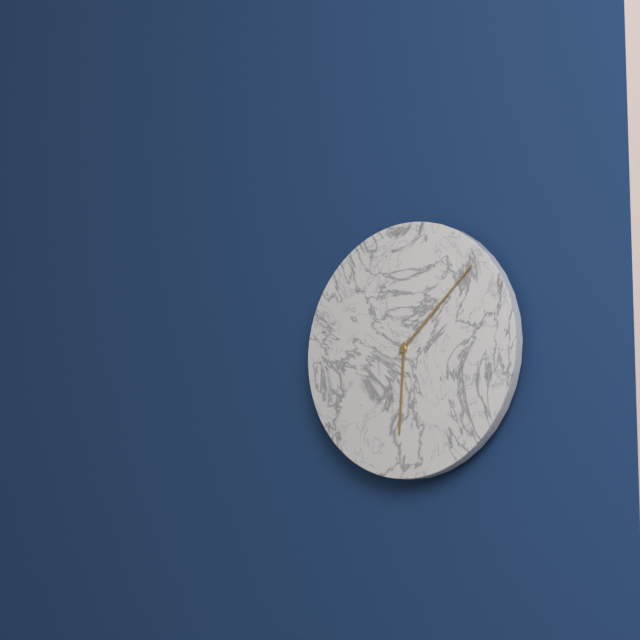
h=6 m=8
